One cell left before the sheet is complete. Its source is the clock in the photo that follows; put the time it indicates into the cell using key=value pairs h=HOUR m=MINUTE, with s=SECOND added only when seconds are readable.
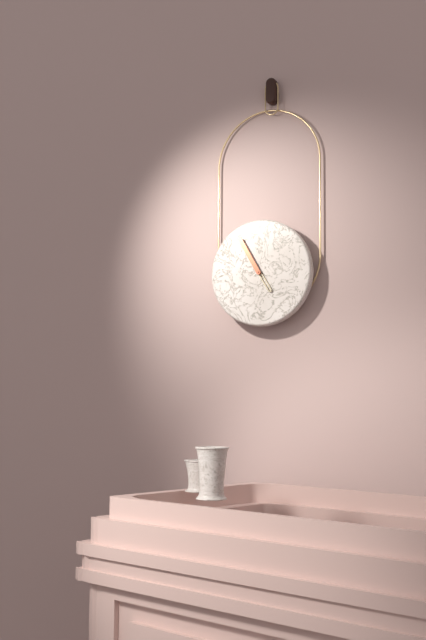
h=4 m=55
